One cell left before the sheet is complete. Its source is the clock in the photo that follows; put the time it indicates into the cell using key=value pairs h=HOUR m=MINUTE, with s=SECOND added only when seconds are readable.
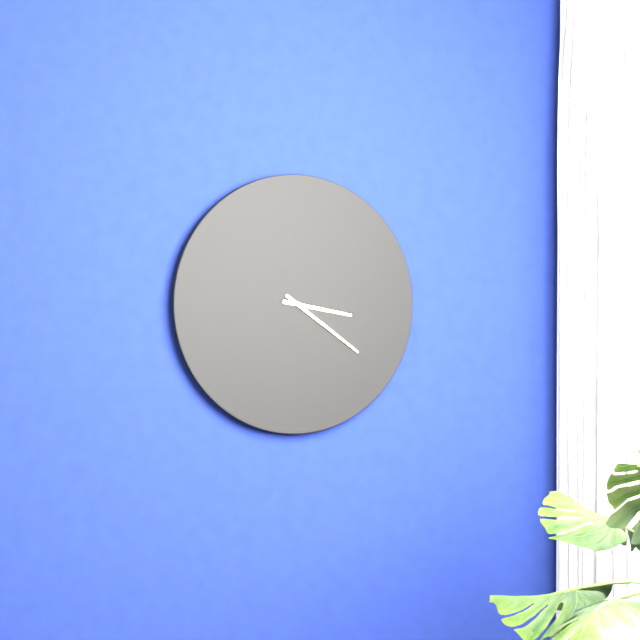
h=3 m=21
